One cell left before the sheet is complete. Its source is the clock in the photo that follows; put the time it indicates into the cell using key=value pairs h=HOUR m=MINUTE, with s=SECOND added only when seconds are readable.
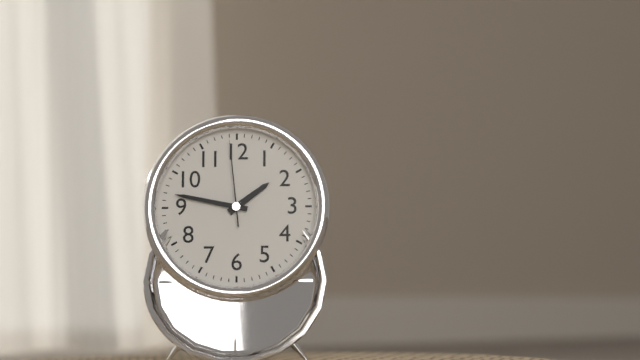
h=1 m=47 s=59
